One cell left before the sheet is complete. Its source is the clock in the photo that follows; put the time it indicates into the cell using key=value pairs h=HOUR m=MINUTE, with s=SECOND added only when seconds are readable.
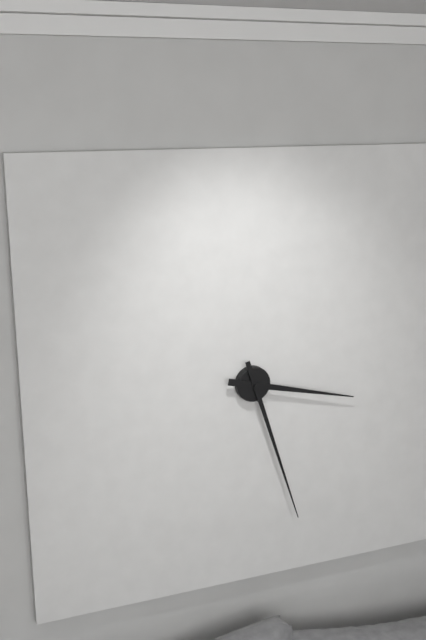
h=3 m=27
